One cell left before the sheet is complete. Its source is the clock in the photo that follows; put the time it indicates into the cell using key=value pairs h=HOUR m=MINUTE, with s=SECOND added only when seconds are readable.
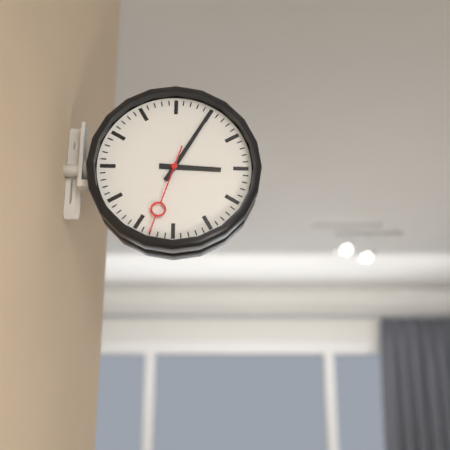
h=3 m=5 s=33
